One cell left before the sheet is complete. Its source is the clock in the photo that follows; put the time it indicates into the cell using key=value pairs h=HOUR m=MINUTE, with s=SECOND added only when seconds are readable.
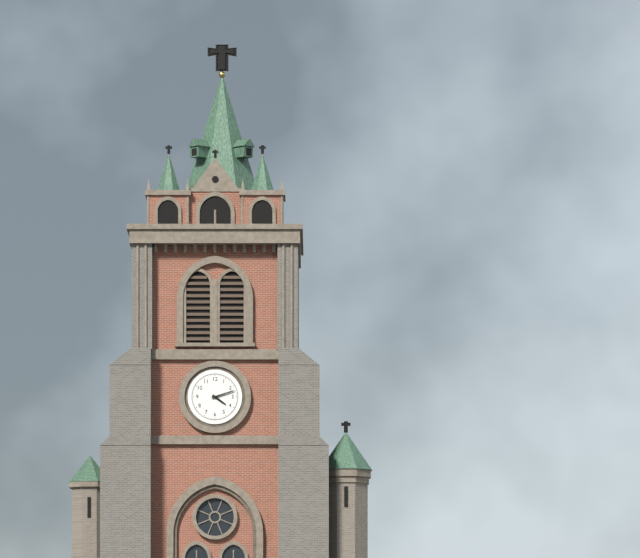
h=4 m=12
